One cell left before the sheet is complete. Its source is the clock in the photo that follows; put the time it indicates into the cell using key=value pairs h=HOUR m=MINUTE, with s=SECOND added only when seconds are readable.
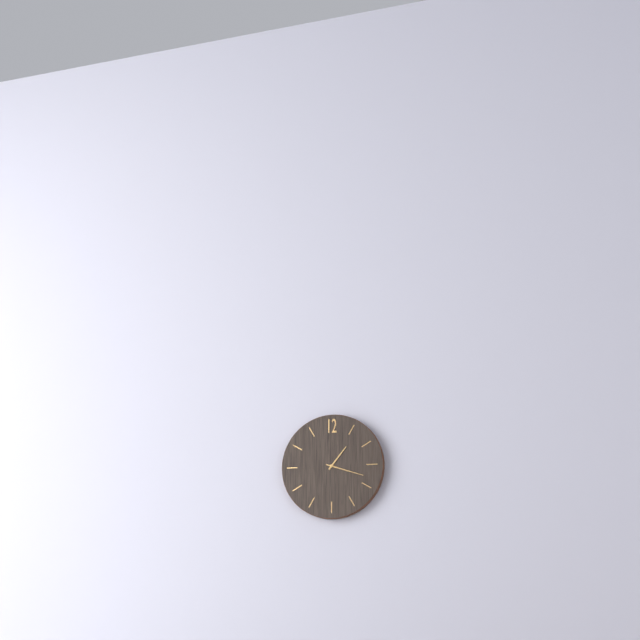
h=1 m=18
